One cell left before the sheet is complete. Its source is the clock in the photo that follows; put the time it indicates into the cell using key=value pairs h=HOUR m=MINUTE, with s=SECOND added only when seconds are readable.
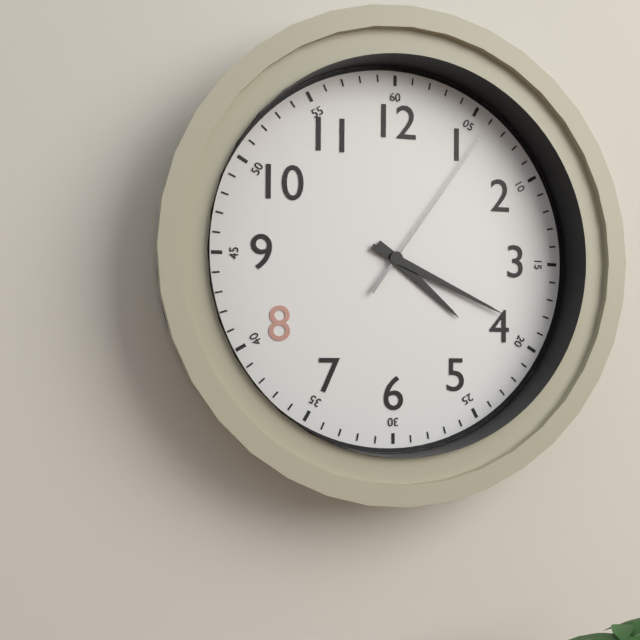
h=4 m=19 s=6
